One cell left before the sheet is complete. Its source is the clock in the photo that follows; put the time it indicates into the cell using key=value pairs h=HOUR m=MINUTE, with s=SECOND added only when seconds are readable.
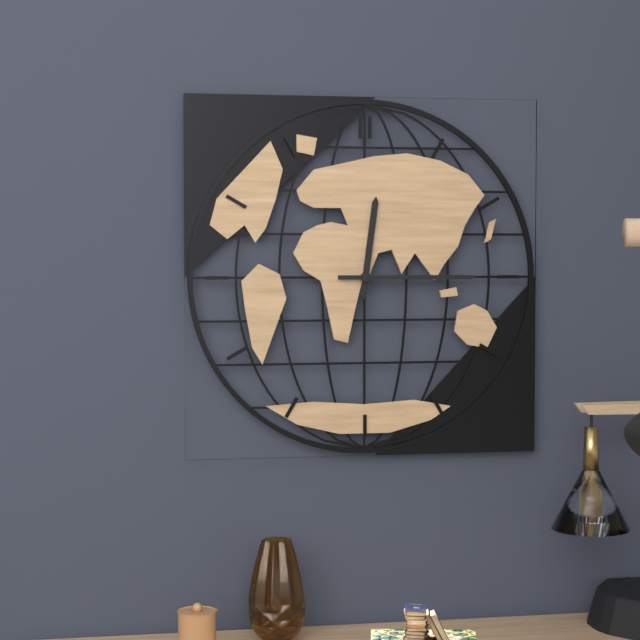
h=12 m=15
